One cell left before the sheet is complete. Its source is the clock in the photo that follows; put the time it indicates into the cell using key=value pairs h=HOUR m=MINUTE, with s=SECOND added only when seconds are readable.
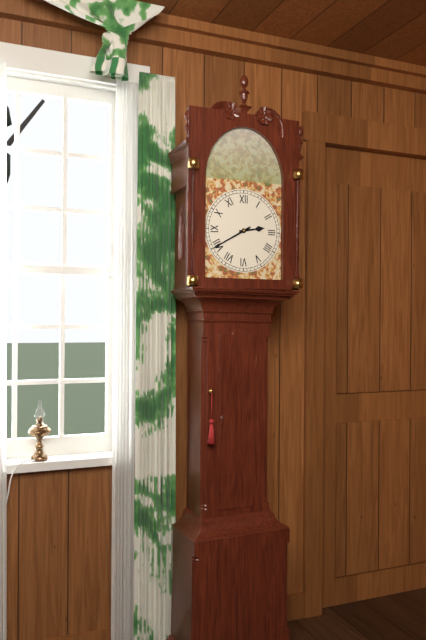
h=2 m=40
